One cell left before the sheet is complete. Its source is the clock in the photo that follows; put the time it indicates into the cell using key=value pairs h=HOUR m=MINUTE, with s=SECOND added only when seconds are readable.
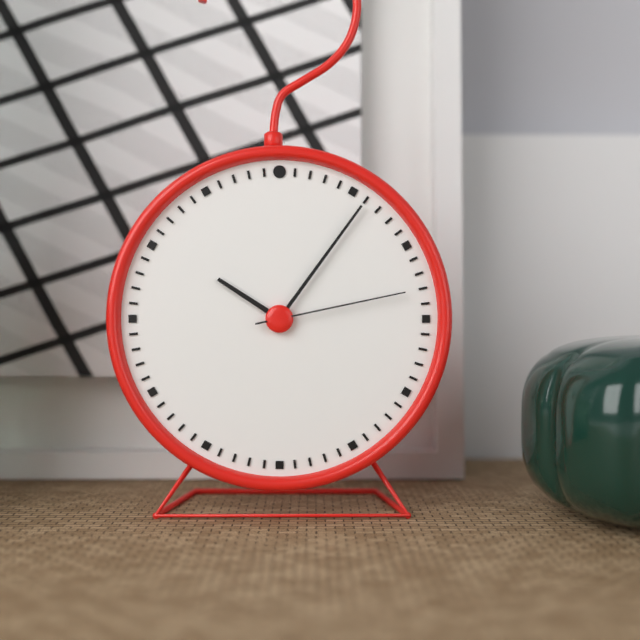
h=10 m=6 s=13
